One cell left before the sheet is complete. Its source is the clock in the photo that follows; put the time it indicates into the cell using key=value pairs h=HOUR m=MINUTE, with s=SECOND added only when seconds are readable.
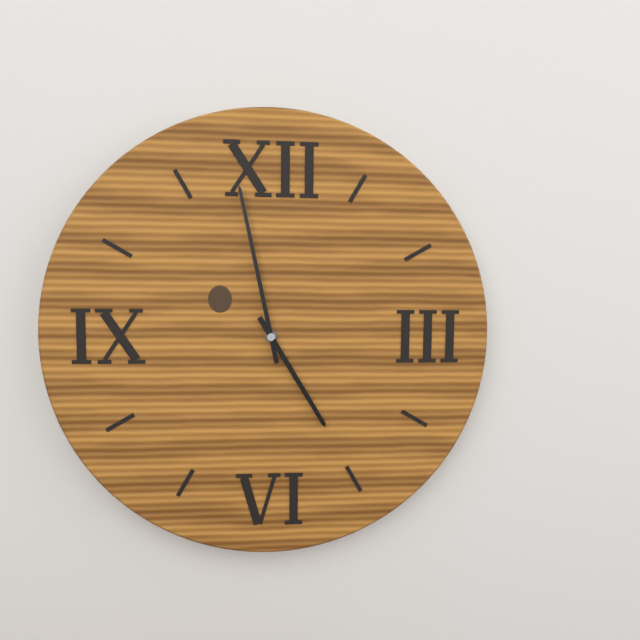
h=4 m=58
